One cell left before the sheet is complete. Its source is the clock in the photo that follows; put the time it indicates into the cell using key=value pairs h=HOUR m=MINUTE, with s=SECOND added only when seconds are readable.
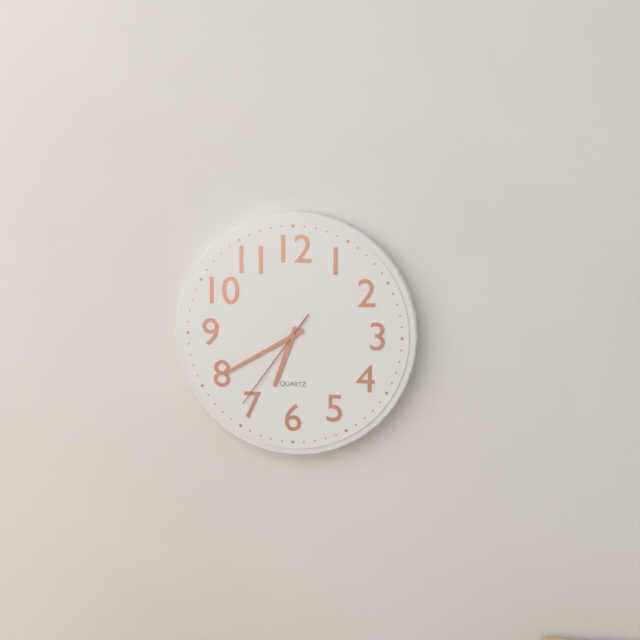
h=6 m=40 s=36
